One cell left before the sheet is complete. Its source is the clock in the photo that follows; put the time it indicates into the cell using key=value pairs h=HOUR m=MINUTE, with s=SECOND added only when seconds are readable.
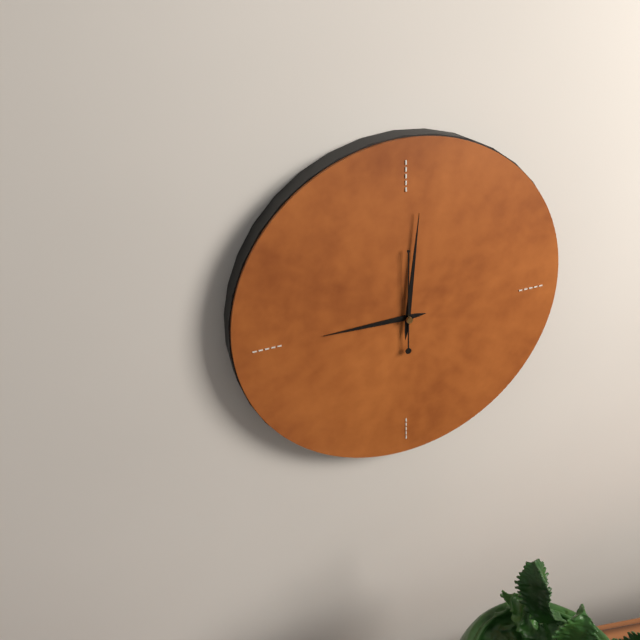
h=9 m=1 s=0
